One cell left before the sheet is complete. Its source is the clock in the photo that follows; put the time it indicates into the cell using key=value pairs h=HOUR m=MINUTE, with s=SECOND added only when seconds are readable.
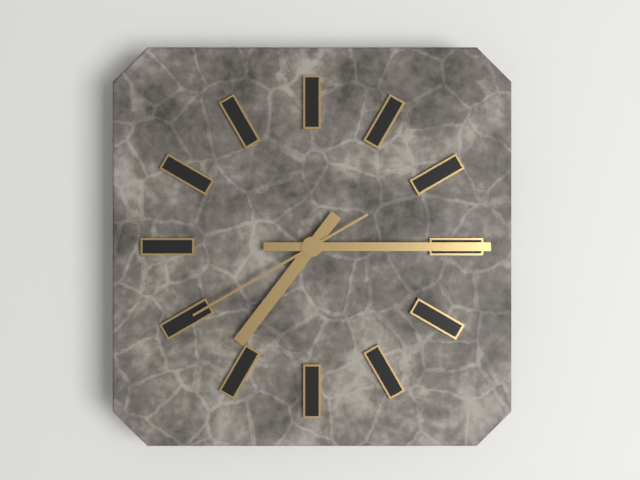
h=7 m=15 s=40
